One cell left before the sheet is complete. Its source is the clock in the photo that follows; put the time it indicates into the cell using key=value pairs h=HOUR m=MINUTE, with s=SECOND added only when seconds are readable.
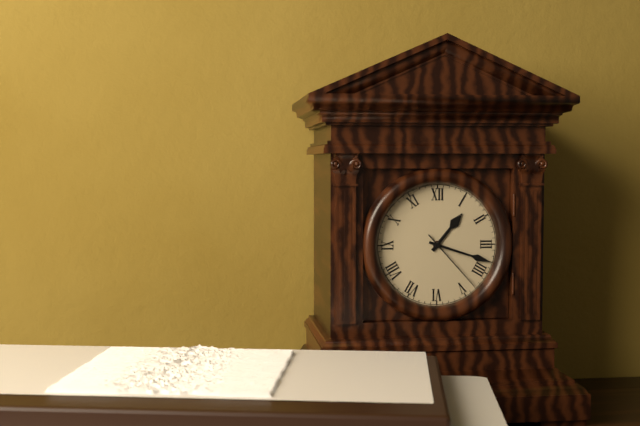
h=1 m=18 s=23
